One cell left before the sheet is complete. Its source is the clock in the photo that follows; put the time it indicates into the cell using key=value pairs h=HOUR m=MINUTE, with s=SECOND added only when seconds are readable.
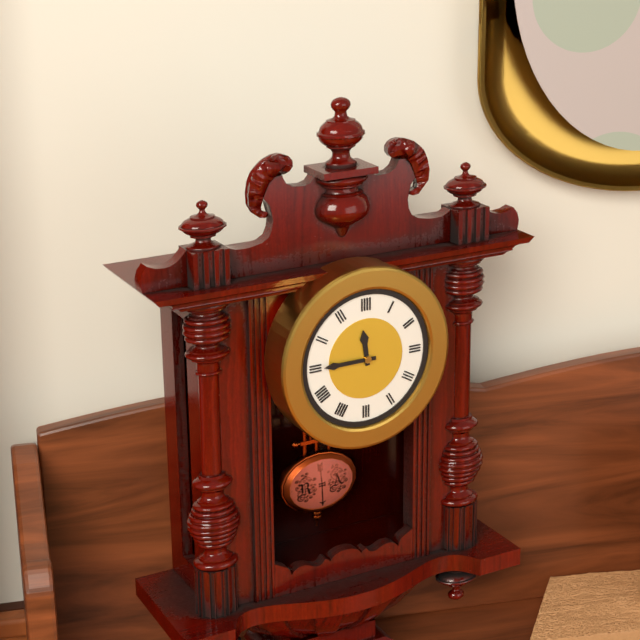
h=11 m=45
